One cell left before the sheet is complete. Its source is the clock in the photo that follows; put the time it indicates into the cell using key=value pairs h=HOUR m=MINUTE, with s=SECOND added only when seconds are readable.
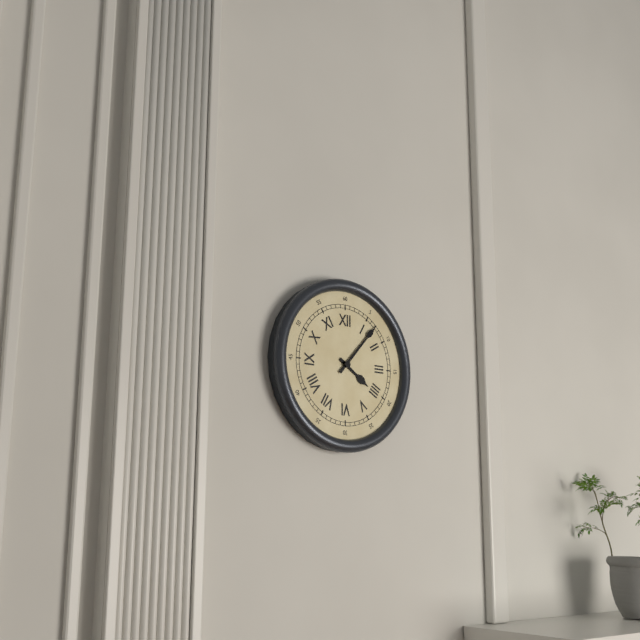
h=4 m=7
